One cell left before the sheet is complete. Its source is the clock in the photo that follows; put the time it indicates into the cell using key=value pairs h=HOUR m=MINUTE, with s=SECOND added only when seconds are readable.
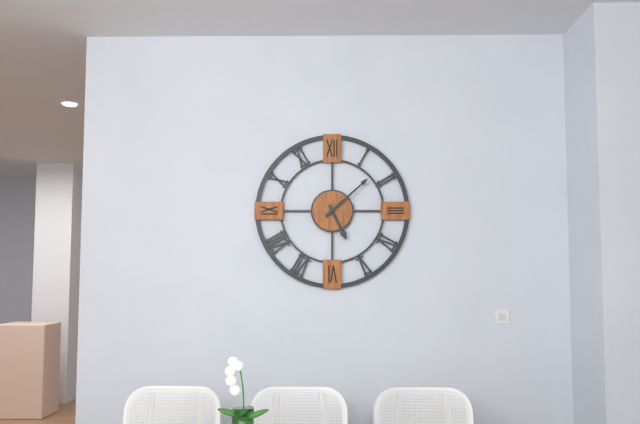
h=5 m=8
